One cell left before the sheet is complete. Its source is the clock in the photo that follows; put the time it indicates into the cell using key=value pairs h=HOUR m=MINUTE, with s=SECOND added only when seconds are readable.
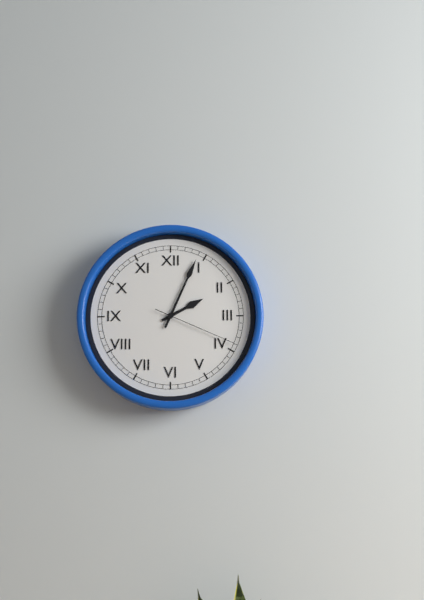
h=2 m=4 s=19
